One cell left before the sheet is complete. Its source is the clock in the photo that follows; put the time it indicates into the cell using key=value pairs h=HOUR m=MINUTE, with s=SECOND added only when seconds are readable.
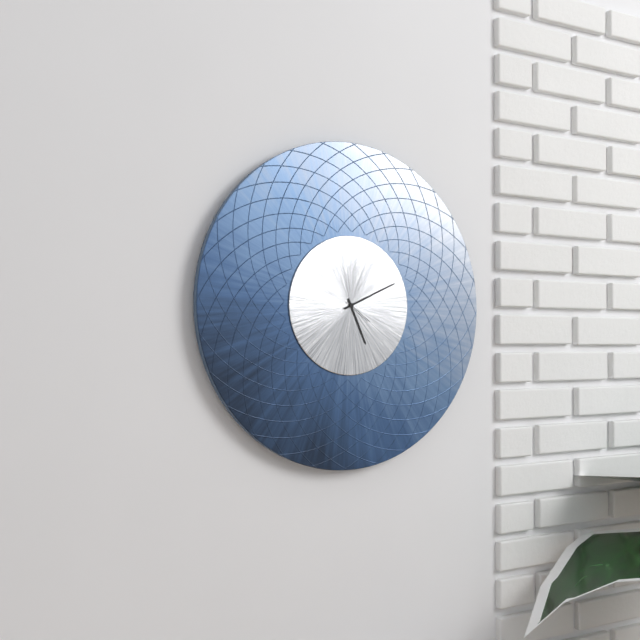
h=5 m=11
